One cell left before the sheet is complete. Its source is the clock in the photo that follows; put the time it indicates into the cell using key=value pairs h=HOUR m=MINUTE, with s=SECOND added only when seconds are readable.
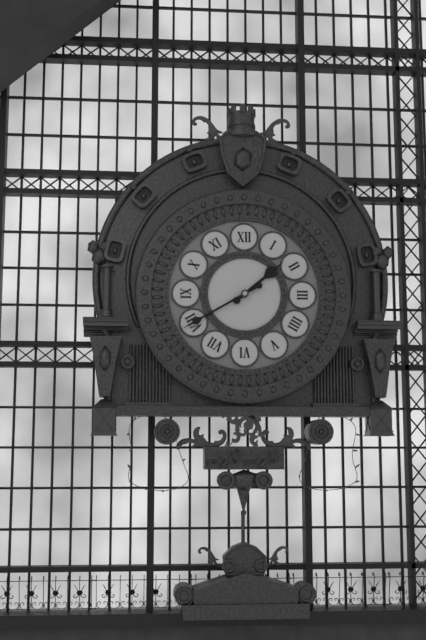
h=1 m=40
